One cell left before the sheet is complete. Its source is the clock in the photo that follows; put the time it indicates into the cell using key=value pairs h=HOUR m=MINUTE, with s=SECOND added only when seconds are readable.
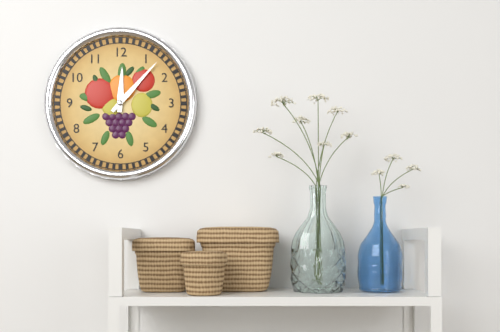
h=12 m=7
